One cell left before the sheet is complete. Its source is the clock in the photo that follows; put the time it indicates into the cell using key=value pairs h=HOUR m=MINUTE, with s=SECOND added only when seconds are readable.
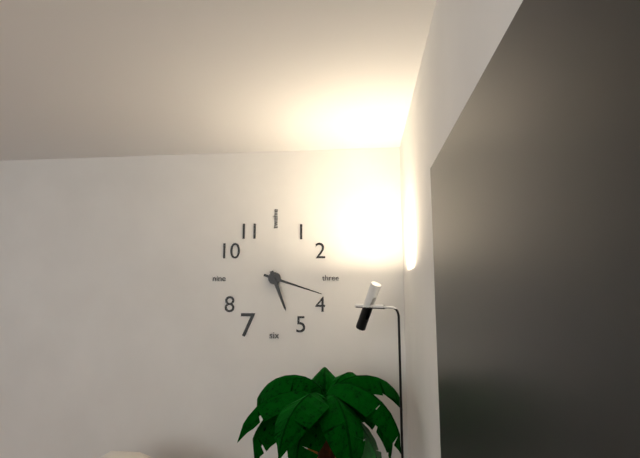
h=5 m=18
